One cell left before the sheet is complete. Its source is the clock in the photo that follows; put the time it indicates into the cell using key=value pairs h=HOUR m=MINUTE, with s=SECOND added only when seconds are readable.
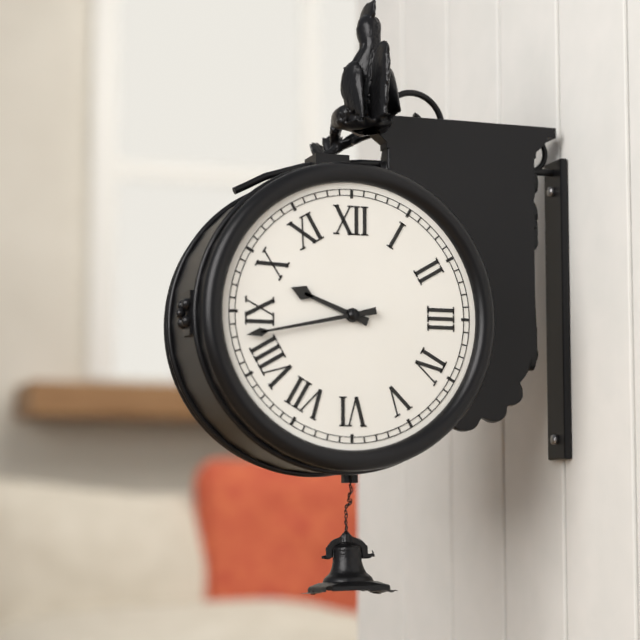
h=9 m=43
